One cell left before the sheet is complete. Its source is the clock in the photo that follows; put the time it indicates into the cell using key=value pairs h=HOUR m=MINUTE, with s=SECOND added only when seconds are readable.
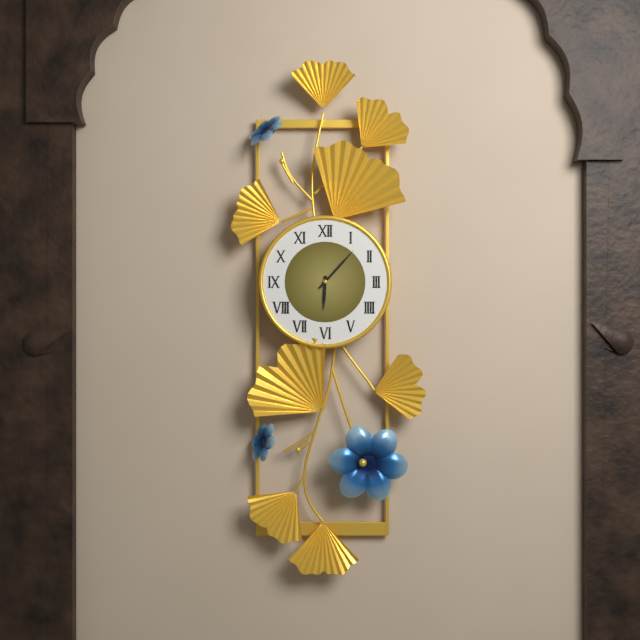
h=6 m=7
